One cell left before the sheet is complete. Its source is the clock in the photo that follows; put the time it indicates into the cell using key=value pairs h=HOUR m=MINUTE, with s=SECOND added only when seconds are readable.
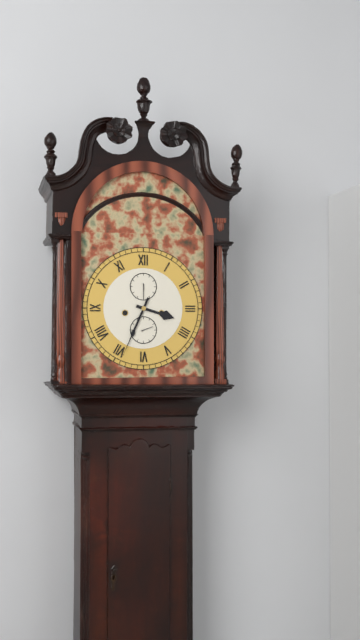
h=3 m=34
